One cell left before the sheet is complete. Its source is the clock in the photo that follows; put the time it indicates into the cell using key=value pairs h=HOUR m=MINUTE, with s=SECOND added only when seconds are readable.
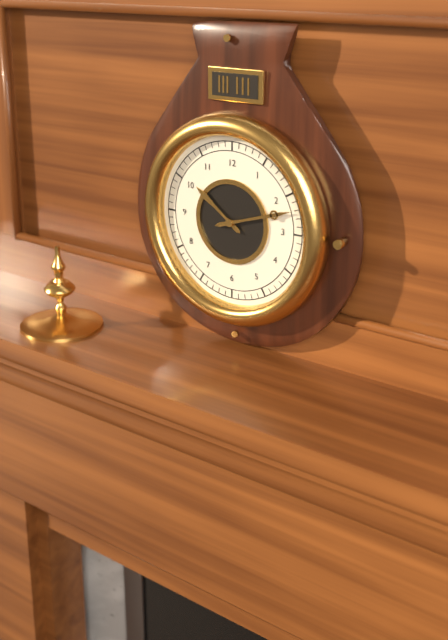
h=10 m=12
